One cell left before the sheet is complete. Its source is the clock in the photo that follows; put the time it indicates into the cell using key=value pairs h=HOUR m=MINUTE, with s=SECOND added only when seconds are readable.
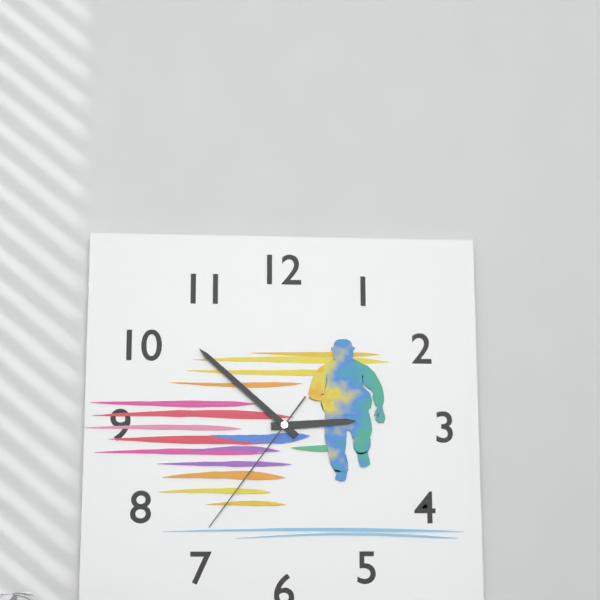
h=2 m=52 s=36
